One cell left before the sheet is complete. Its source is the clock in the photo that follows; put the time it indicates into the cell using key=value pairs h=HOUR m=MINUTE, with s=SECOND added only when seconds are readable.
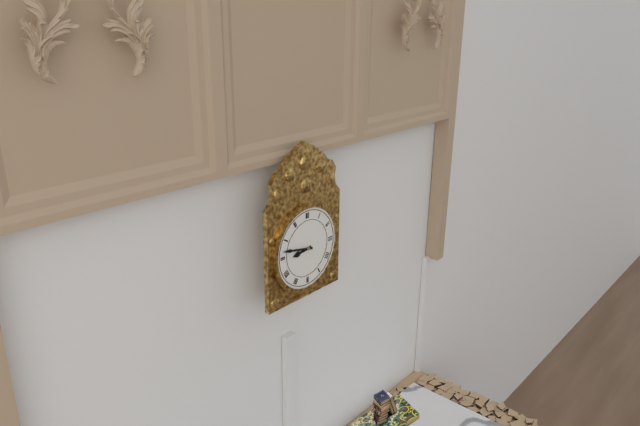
h=8 m=47
